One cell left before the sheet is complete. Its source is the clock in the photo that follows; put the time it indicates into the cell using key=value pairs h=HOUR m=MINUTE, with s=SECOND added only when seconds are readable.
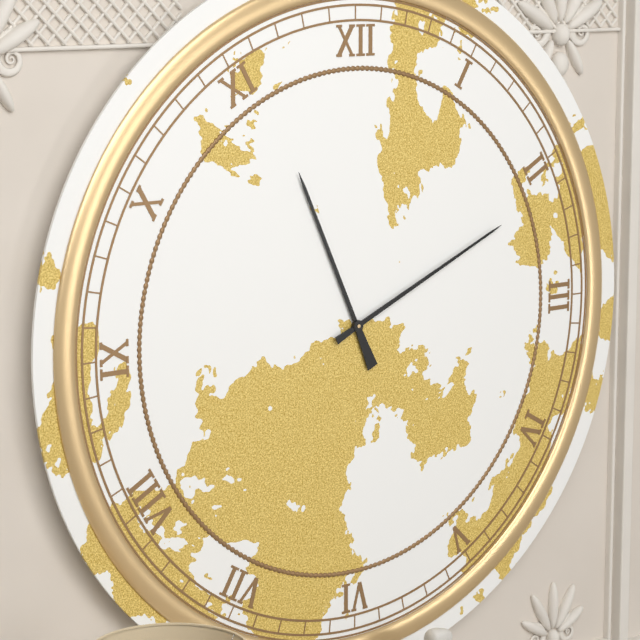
h=11 m=11
